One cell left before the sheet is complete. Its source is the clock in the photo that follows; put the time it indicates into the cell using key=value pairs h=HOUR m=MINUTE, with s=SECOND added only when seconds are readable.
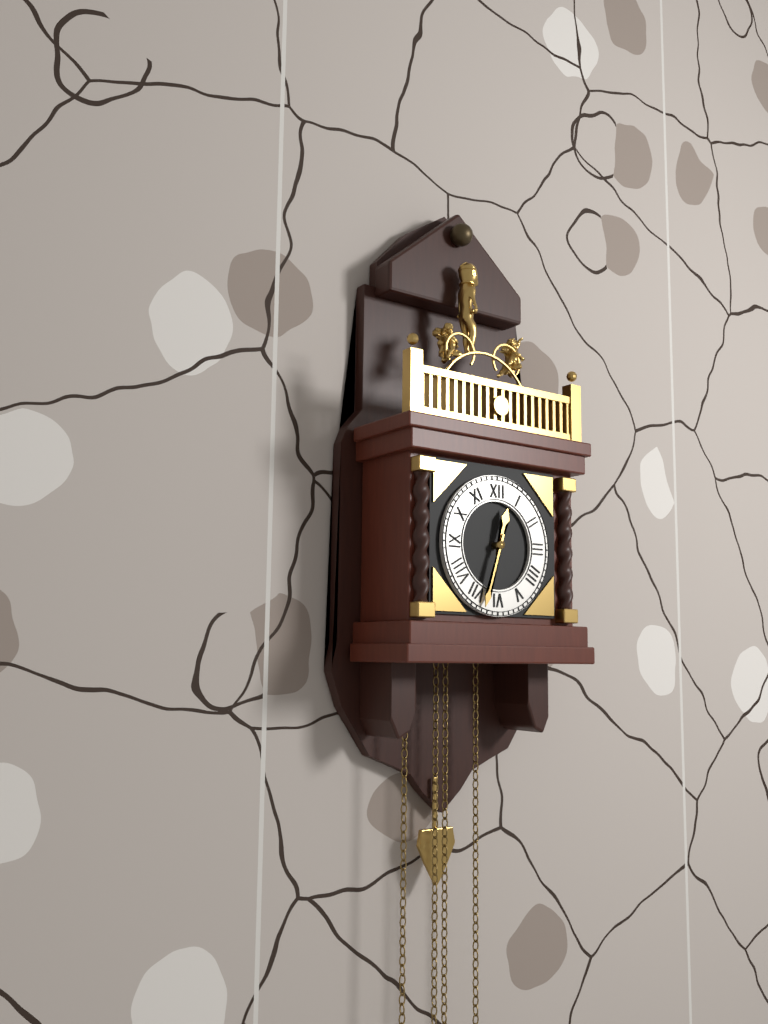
h=12 m=33
